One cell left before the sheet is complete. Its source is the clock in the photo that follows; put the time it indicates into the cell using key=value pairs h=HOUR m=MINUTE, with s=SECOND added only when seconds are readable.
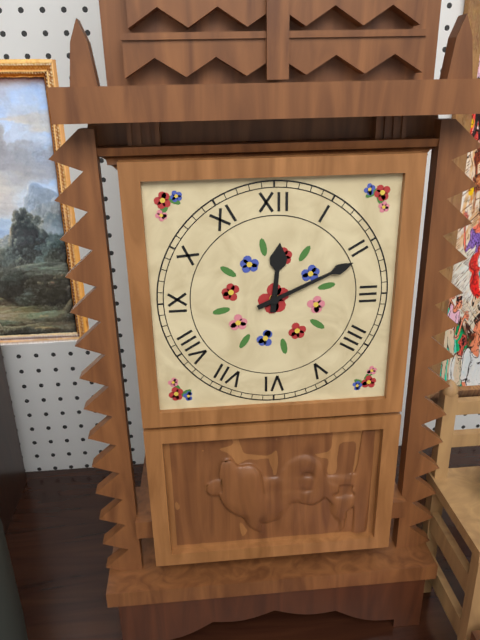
h=12 m=11
